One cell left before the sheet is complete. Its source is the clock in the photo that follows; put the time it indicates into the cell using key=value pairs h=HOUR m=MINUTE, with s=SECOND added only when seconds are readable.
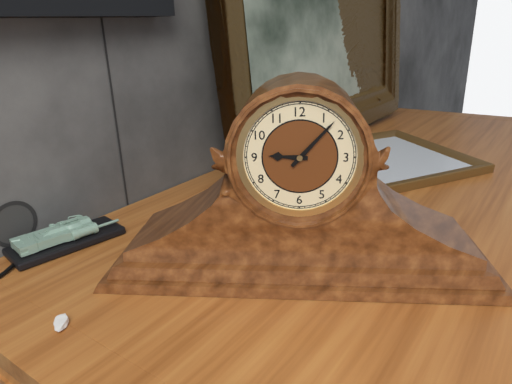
h=9 m=7
